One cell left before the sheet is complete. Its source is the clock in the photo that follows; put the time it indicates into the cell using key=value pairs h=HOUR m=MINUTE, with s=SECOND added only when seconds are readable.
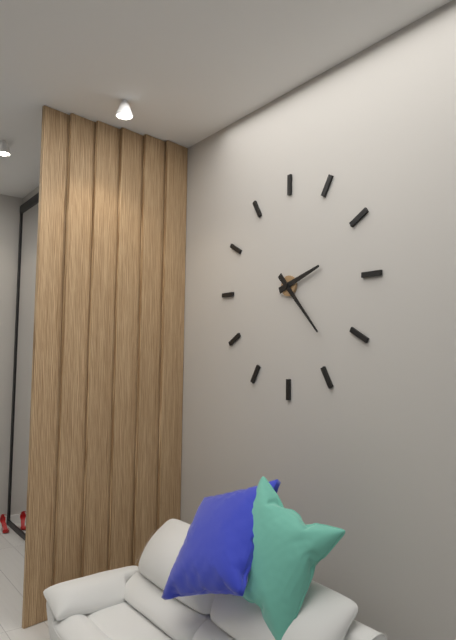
h=2 m=23
